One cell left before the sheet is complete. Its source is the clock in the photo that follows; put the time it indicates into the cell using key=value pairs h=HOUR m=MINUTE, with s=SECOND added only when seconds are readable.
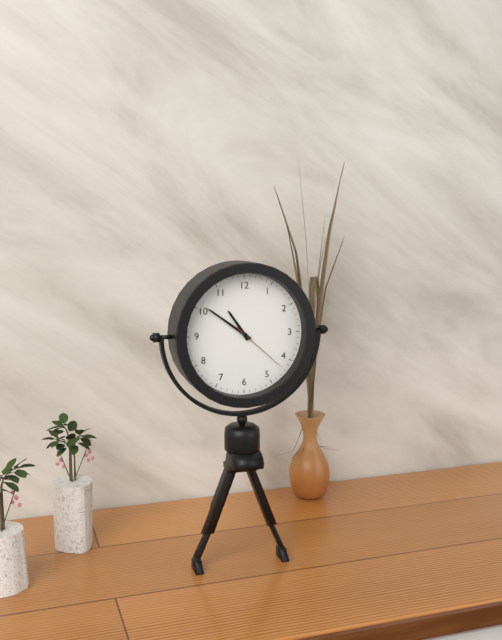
h=10 m=51 s=22
